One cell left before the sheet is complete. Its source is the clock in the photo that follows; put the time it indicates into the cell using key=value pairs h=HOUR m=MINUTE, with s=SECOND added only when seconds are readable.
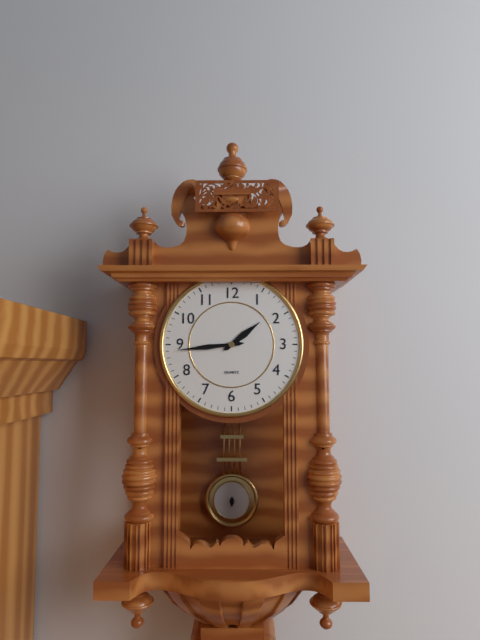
h=1 m=44
